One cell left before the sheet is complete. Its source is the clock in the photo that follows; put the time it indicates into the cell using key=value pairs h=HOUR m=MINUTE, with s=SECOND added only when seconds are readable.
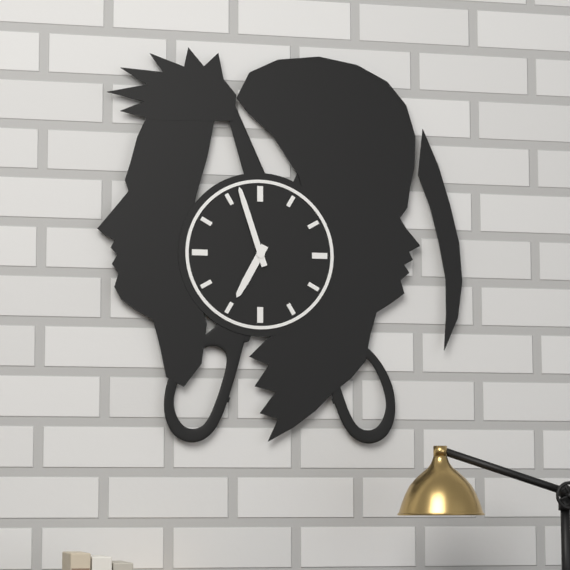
h=6 m=57
